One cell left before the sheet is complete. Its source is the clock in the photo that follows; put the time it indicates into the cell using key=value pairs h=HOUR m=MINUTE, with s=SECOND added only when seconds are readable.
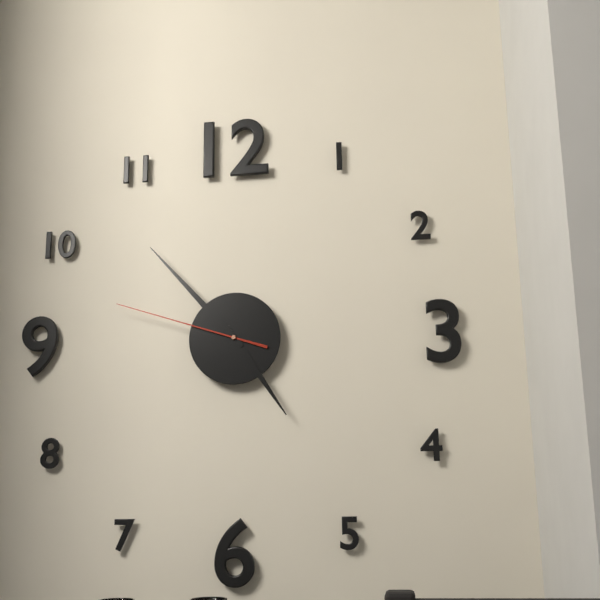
h=4 m=53 s=48
